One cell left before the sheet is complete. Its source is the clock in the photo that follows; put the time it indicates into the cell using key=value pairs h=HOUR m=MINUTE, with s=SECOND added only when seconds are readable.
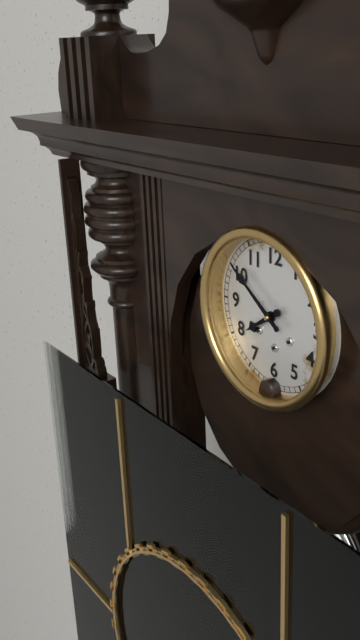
h=7 m=51
